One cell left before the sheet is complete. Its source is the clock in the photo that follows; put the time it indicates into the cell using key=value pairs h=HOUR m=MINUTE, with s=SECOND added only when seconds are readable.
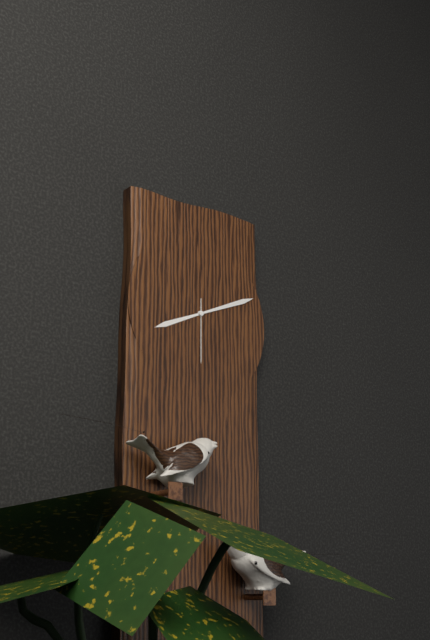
h=8 m=11 s=30
